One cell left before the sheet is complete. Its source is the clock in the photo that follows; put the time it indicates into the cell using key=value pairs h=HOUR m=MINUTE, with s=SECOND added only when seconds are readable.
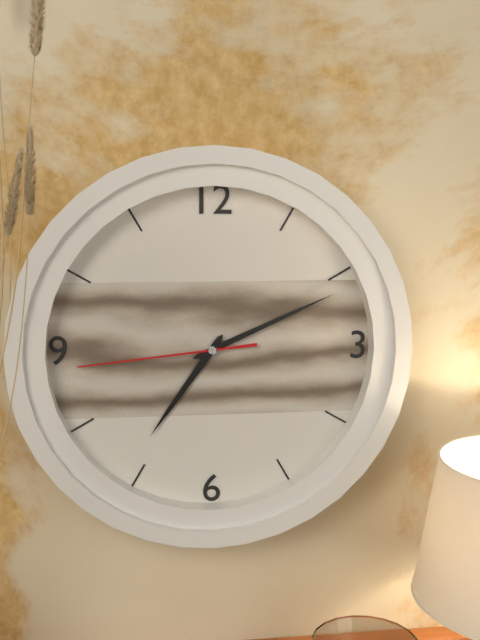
h=7 m=11 s=44
